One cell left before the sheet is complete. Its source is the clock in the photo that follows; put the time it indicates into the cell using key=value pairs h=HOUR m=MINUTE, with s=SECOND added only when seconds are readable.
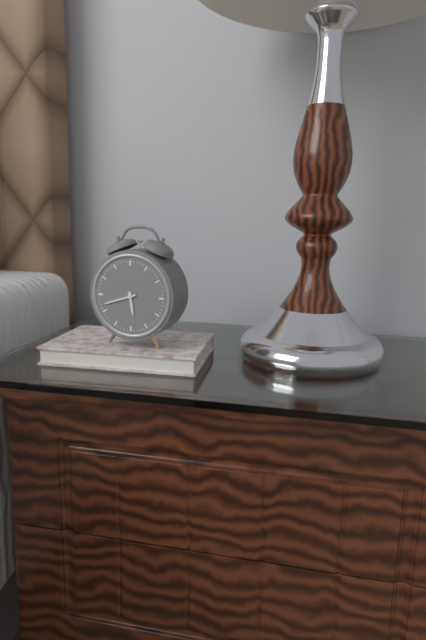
h=5 m=42
